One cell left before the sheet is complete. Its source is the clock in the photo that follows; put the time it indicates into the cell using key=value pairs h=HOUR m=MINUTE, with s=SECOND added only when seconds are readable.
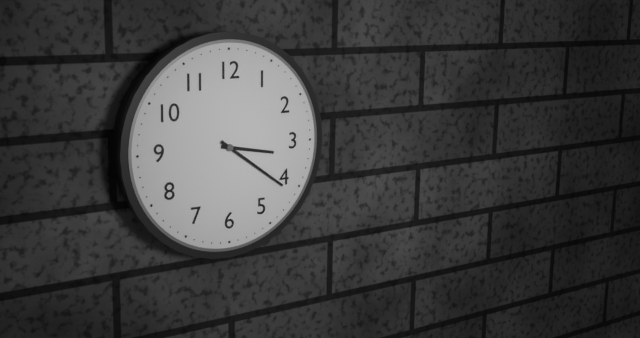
h=3 m=21
